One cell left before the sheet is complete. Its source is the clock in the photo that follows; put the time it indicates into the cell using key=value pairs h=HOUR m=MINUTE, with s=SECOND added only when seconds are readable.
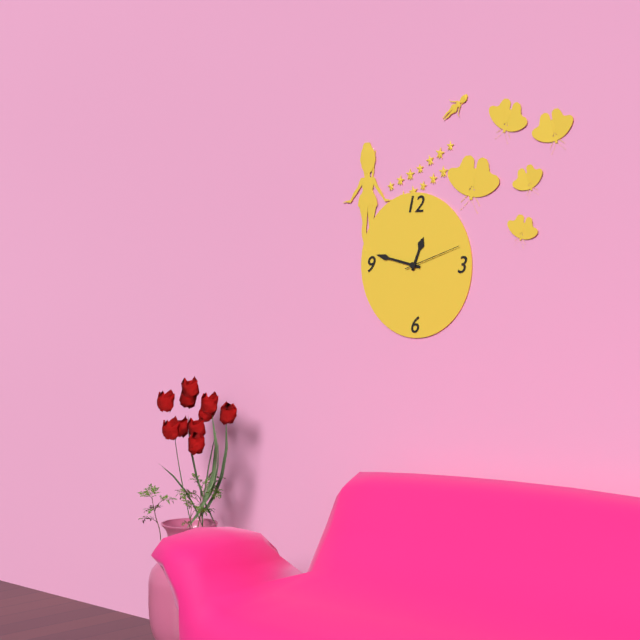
h=12 m=47 s=12
